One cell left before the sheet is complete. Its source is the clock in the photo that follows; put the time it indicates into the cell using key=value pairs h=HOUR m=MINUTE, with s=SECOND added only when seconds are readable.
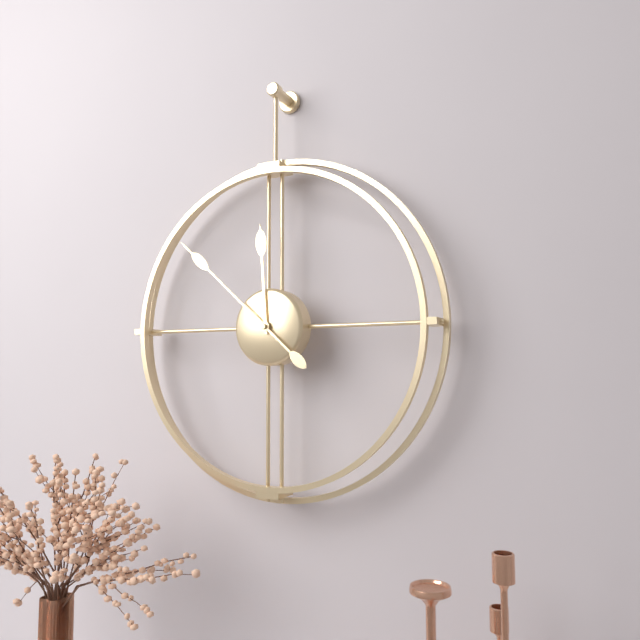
h=11 m=52
